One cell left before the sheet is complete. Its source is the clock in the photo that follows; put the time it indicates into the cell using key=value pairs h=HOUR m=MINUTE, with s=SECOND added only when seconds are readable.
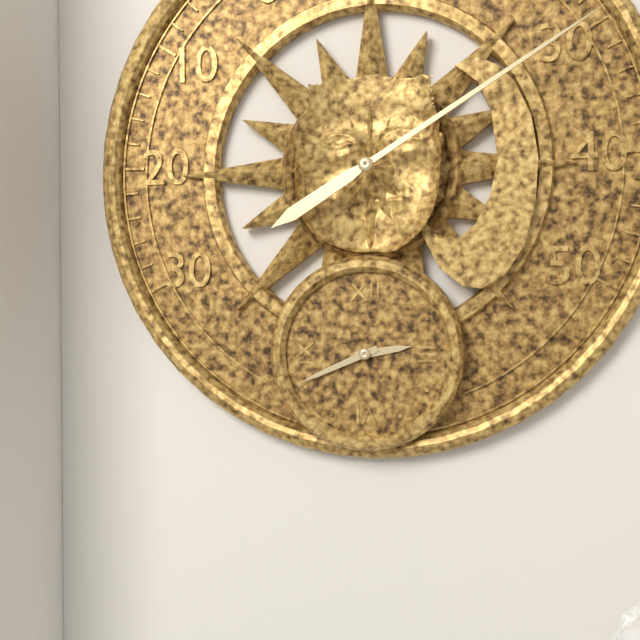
h=2 m=41
